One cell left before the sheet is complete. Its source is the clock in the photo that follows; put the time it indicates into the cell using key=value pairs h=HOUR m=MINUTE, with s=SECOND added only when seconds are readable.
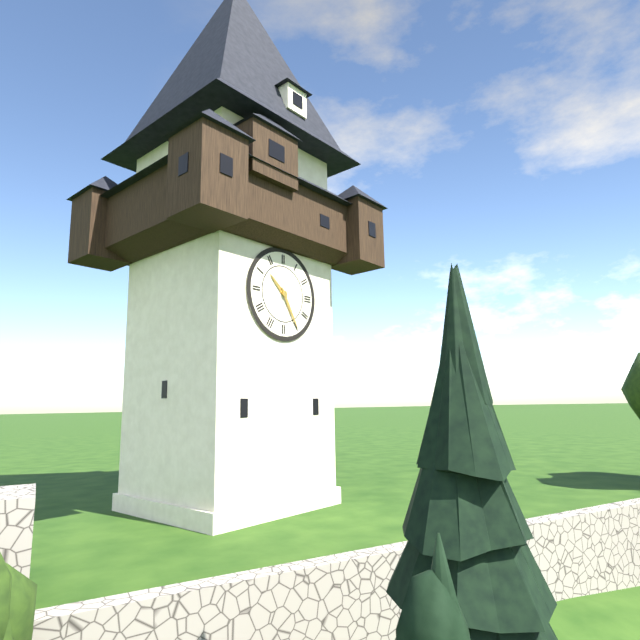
h=10 m=25
